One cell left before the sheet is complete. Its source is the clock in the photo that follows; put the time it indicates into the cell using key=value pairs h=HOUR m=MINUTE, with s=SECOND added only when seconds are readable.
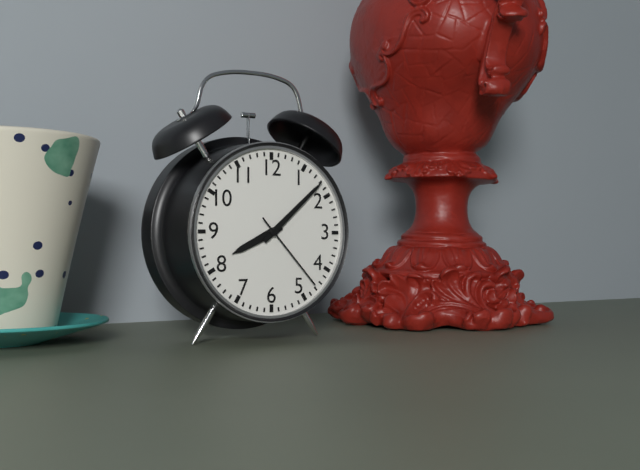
h=8 m=8 s=23
